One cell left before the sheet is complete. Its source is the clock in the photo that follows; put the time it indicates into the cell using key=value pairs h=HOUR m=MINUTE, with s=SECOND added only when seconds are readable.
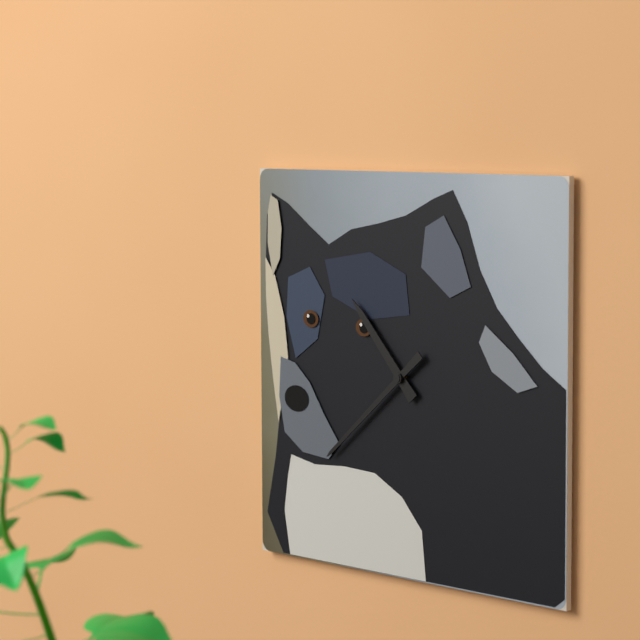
h=10 m=38
